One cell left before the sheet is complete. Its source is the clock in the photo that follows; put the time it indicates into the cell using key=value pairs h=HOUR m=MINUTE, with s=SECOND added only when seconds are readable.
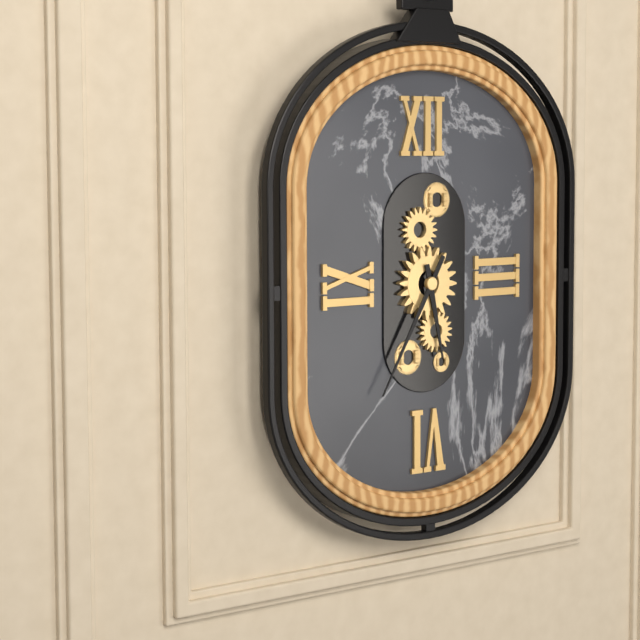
h=5 m=35
